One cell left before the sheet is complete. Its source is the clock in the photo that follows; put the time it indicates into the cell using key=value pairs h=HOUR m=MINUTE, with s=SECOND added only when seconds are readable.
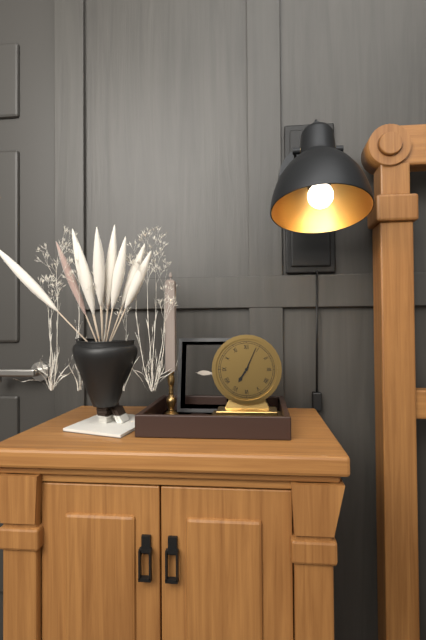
h=7 m=4
